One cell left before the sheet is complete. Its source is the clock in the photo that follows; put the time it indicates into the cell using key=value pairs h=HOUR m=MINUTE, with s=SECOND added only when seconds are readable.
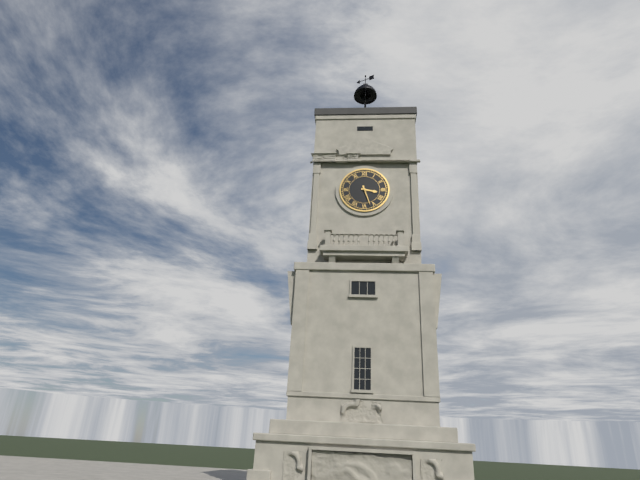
h=3 m=27
